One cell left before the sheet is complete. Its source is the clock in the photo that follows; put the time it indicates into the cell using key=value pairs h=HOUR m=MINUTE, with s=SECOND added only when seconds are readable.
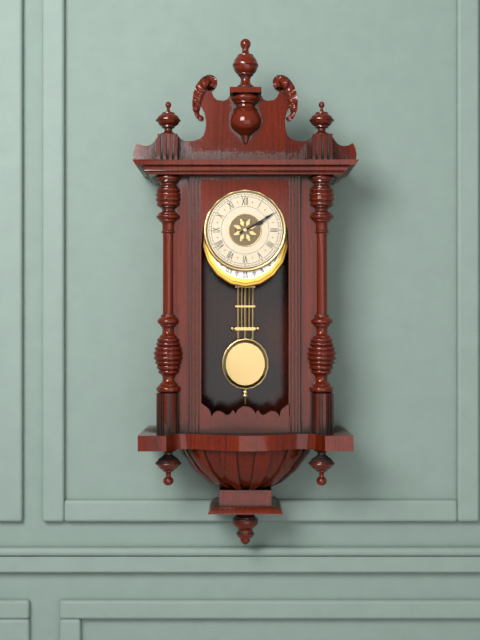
h=2 m=10
